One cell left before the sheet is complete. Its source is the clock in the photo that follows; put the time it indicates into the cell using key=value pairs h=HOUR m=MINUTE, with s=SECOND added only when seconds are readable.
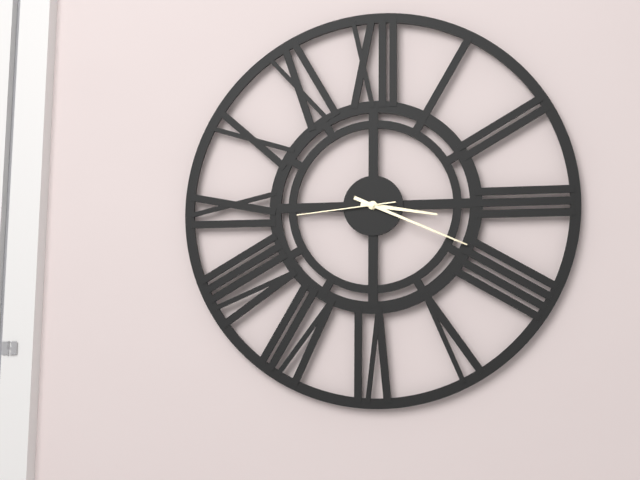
h=3 m=19 s=44
